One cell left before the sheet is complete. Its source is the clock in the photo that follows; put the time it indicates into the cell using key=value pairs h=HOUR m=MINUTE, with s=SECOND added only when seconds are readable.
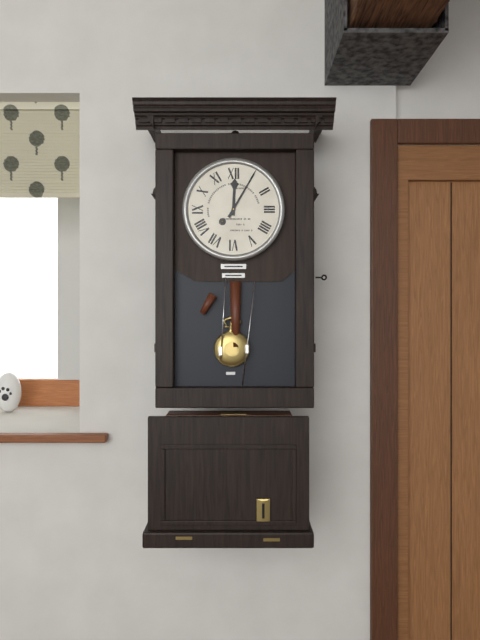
h=12 m=5
